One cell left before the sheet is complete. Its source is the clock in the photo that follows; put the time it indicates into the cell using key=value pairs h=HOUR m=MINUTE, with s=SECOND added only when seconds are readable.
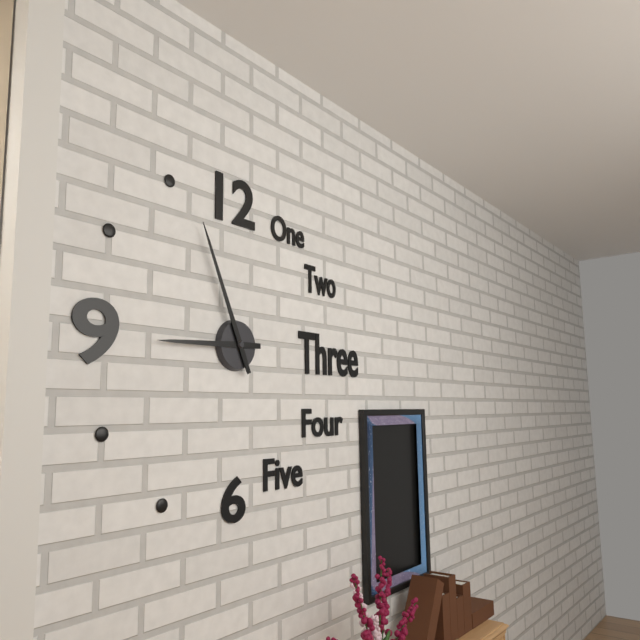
h=8 m=56
